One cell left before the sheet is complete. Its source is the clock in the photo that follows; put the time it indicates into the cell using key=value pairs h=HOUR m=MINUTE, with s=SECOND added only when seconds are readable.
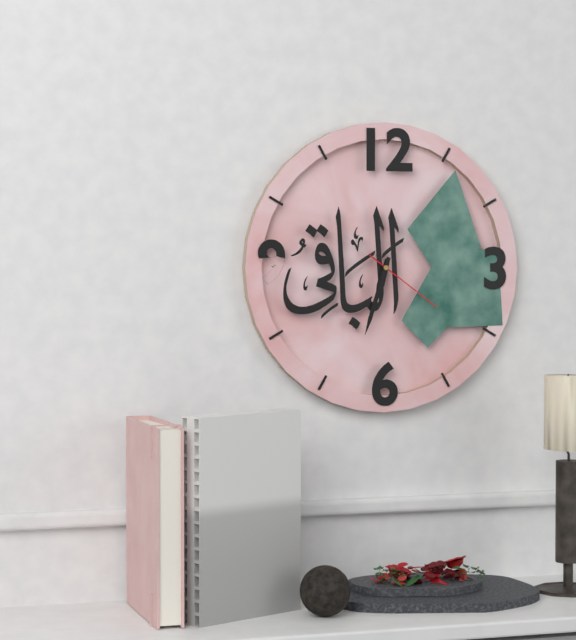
h=6 m=33 s=21
